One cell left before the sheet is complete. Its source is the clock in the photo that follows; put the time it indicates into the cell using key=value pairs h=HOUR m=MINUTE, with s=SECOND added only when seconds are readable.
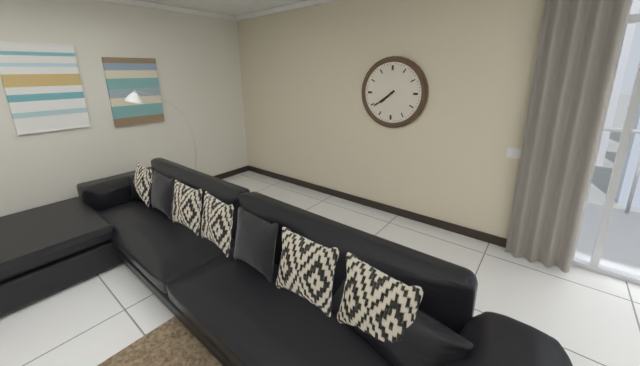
h=7 m=39
